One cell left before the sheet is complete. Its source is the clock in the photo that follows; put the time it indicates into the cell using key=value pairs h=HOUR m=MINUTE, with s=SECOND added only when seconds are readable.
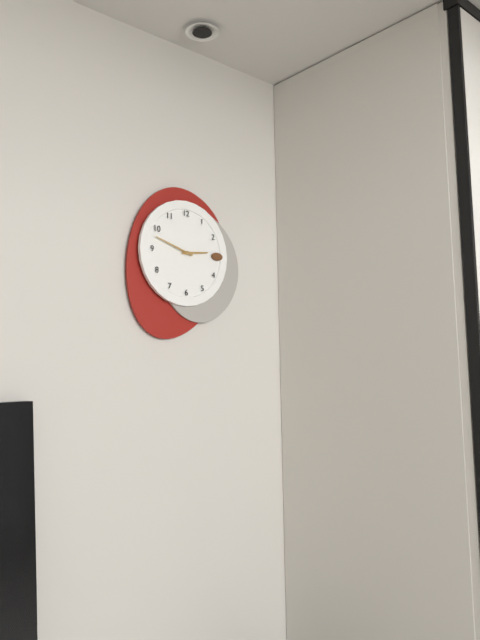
h=2 m=48
